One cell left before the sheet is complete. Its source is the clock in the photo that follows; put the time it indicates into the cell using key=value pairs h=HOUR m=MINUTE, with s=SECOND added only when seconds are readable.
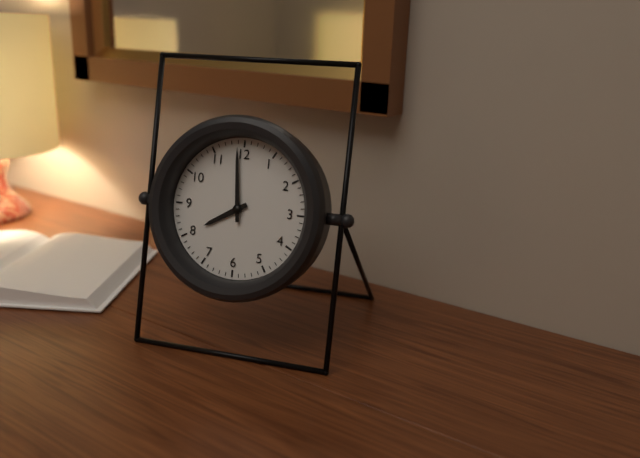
h=7 m=59
